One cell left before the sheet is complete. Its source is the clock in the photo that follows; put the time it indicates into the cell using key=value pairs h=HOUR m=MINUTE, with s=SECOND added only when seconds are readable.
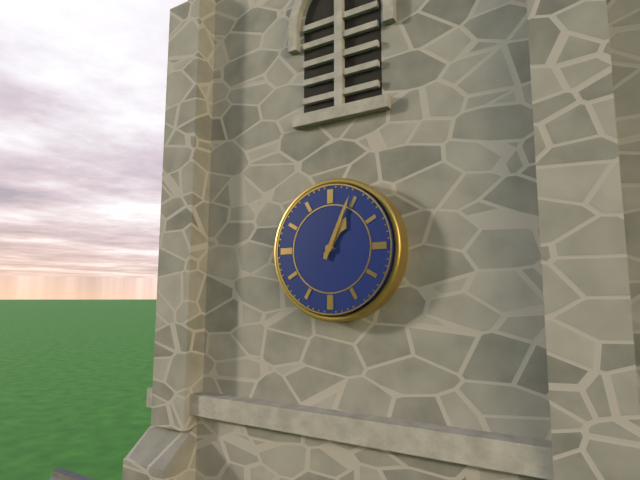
h=1 m=4
